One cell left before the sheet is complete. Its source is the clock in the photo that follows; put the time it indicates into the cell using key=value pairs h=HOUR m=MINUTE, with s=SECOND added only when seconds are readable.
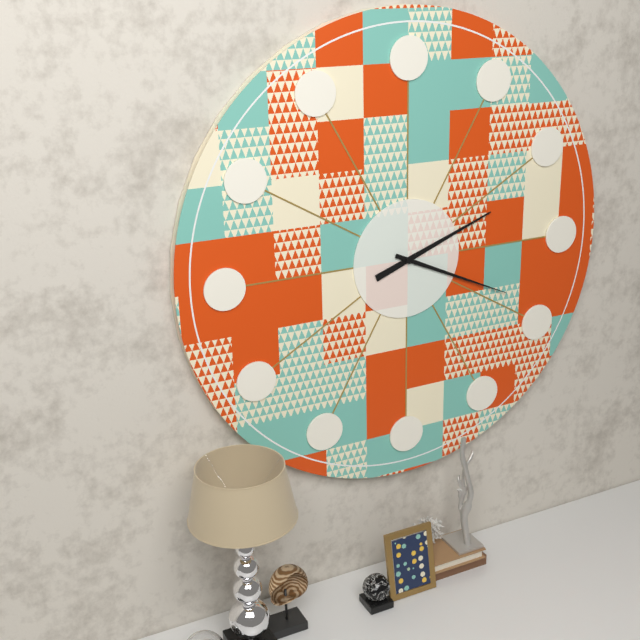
h=2 m=19
